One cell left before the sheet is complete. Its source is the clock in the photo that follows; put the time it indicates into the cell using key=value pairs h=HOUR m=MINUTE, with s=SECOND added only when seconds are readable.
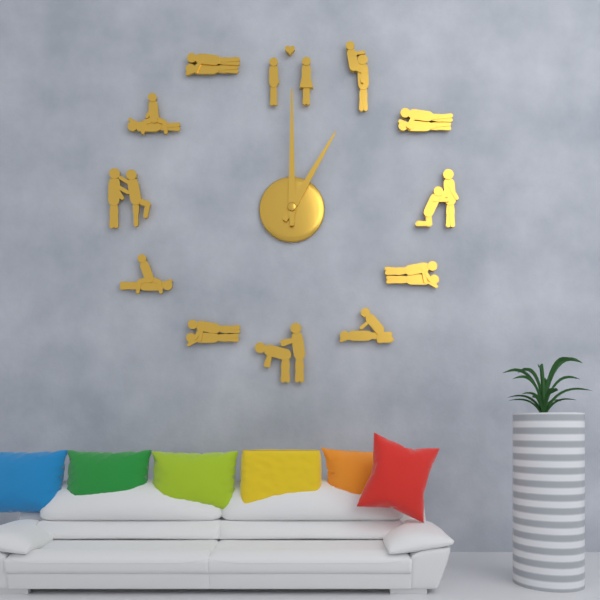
h=1 m=0
